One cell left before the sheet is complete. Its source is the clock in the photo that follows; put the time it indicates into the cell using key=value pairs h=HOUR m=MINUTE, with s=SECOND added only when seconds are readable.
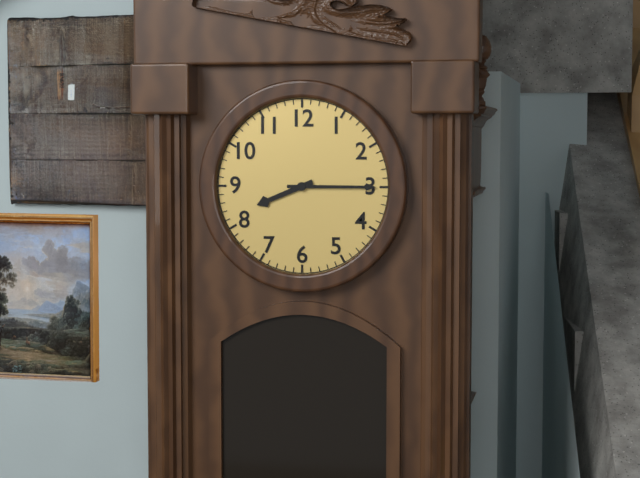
h=8 m=15
